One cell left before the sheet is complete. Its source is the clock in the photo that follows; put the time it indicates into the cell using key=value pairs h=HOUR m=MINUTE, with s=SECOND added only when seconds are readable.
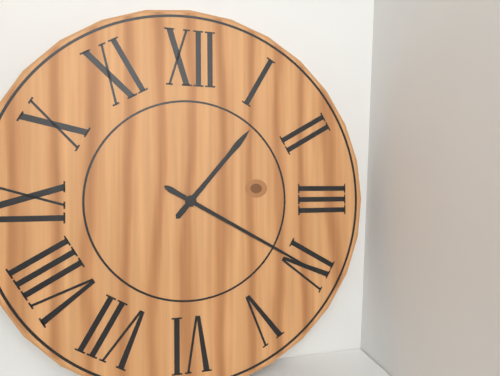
h=1 m=20
